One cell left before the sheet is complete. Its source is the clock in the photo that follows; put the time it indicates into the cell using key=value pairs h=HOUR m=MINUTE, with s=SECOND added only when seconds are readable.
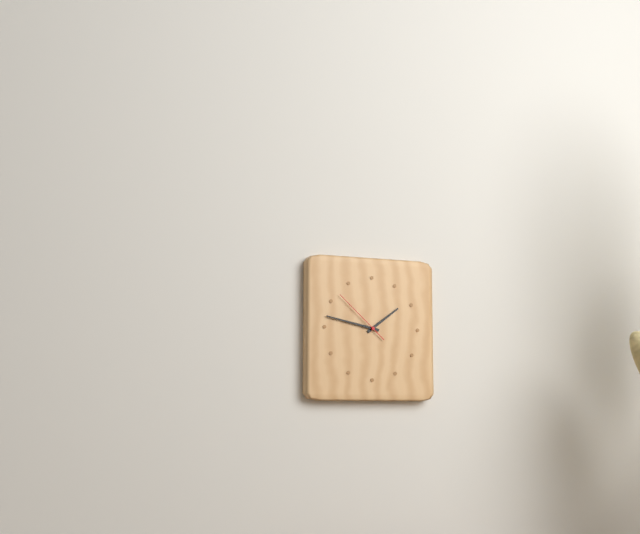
h=1 m=47 s=52
